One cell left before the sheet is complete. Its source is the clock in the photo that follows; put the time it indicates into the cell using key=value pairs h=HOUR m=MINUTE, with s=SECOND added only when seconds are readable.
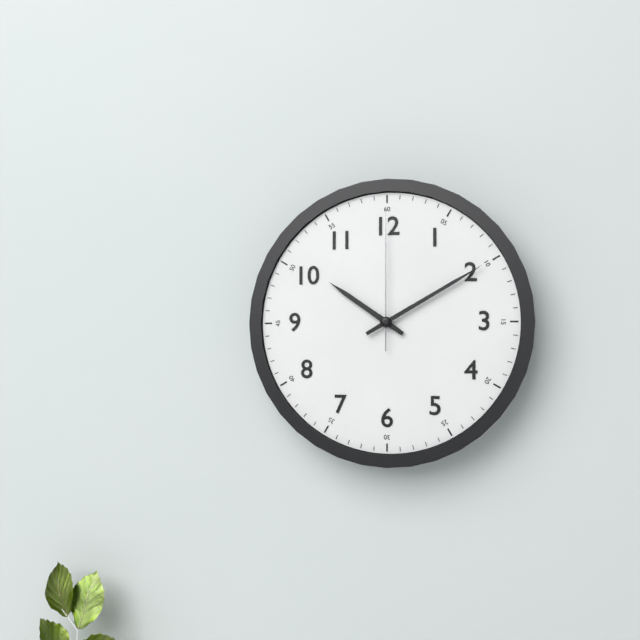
h=10 m=10 s=0
